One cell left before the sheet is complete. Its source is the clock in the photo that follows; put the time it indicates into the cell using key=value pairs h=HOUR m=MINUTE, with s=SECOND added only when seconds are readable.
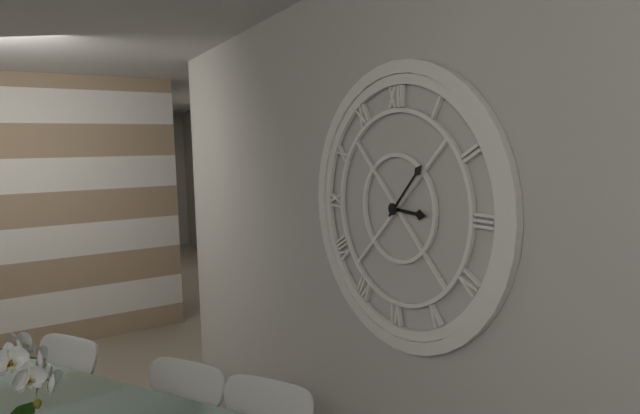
h=3 m=7
